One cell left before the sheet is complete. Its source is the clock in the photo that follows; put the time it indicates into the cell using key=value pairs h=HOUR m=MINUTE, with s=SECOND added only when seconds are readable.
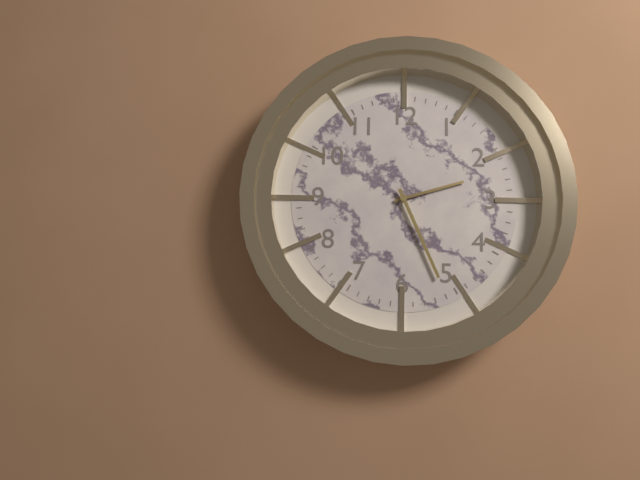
h=2 m=26
